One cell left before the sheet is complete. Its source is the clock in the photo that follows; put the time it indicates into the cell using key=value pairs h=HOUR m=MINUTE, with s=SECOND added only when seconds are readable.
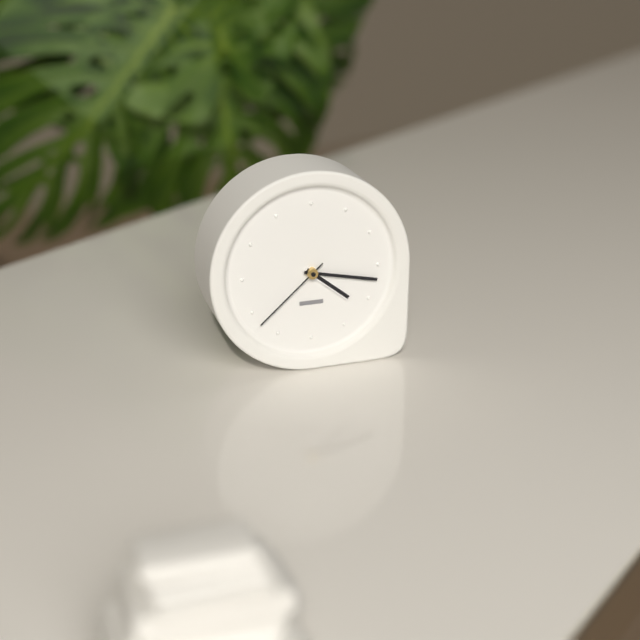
h=4 m=17 s=38
